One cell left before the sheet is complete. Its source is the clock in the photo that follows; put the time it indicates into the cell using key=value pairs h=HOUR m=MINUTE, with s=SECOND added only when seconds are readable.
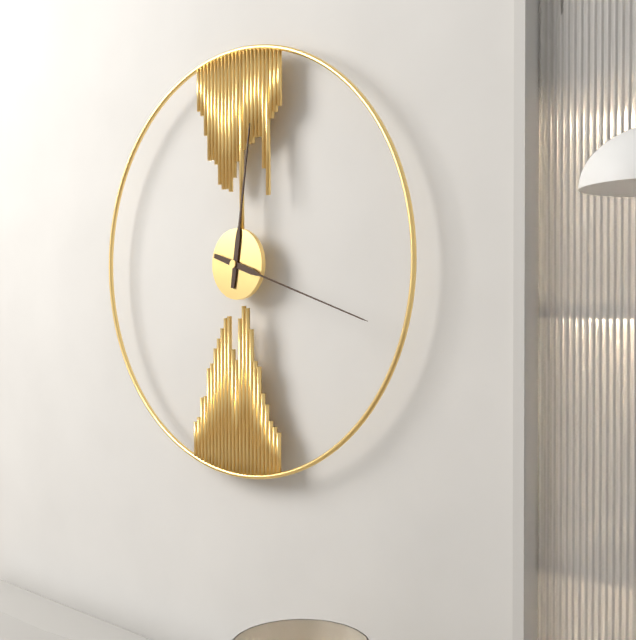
h=12 m=18
